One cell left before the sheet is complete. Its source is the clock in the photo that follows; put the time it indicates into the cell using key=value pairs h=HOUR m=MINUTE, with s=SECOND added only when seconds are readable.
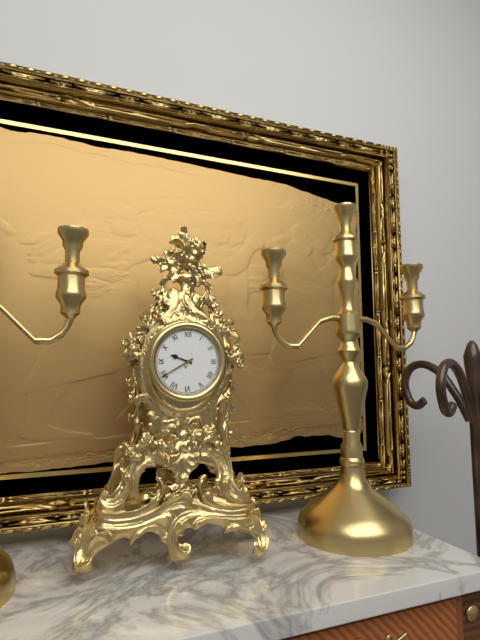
h=9 m=40
